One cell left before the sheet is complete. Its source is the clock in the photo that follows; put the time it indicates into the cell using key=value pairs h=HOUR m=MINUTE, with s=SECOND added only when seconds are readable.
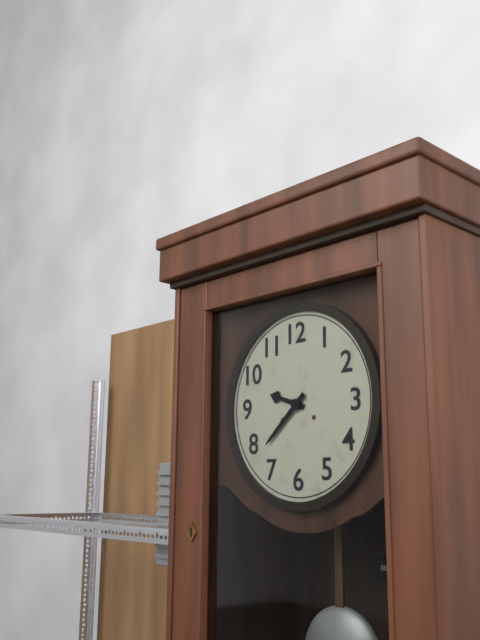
h=9 m=38
